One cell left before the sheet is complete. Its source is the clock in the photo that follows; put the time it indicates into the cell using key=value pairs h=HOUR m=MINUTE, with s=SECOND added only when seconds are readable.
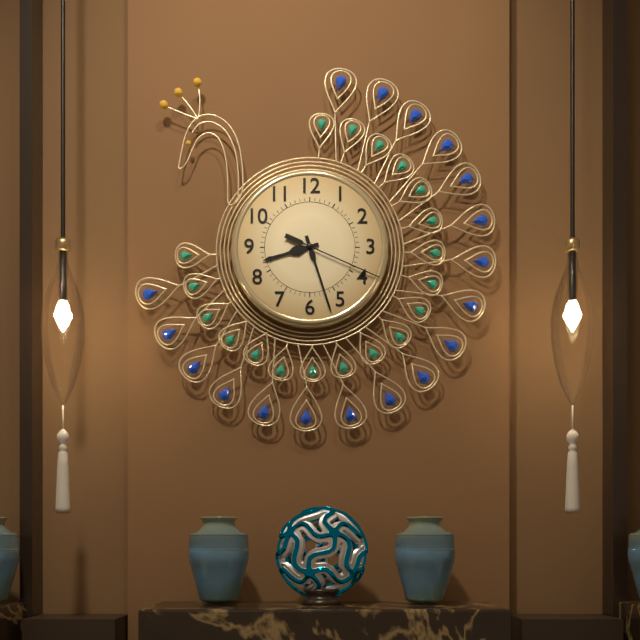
h=8 m=27 s=19
